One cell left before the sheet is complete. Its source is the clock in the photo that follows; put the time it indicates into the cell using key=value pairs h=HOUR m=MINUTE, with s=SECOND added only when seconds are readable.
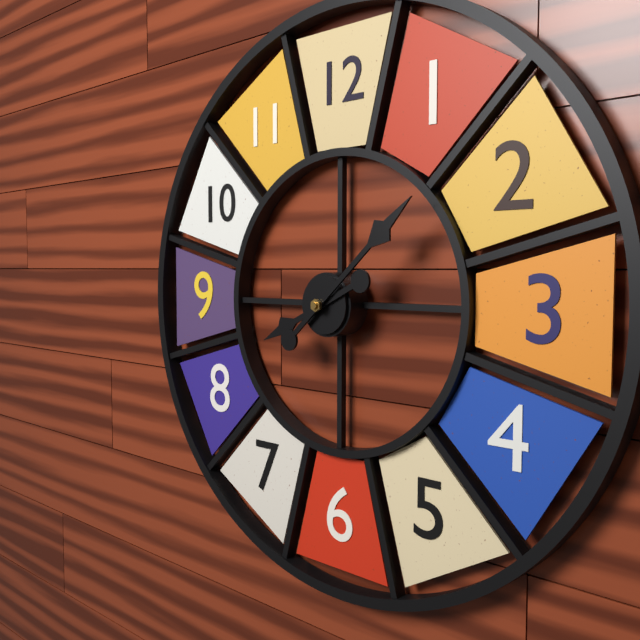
h=8 m=8
